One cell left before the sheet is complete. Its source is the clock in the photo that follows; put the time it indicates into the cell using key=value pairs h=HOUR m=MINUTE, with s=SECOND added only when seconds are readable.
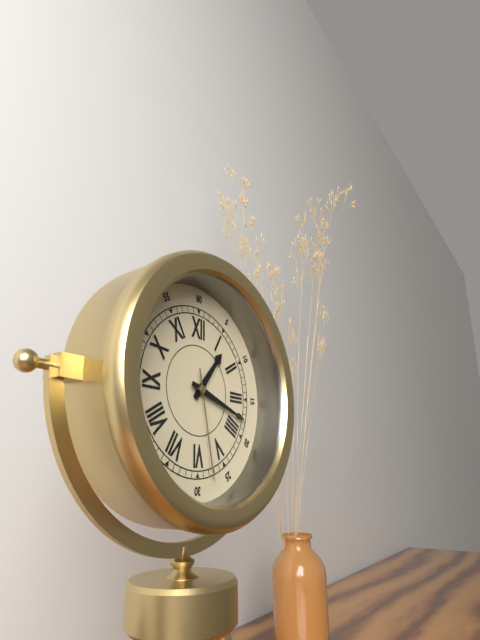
h=1 m=18 s=28
